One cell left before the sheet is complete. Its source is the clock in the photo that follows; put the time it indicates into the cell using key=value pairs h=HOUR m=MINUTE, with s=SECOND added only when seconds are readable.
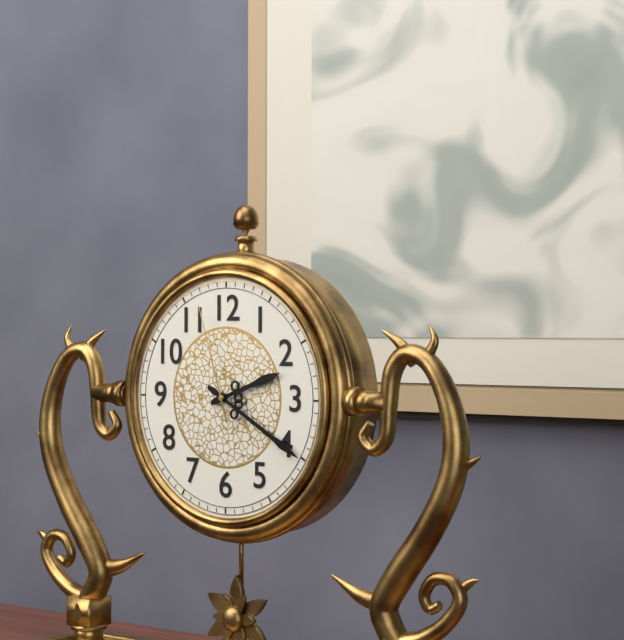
h=2 m=20 s=57
